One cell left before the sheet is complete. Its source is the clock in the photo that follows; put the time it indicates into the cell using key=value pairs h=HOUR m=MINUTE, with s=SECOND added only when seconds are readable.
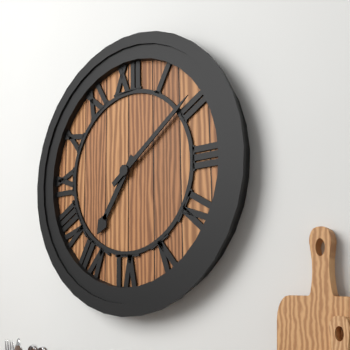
h=7 m=9
